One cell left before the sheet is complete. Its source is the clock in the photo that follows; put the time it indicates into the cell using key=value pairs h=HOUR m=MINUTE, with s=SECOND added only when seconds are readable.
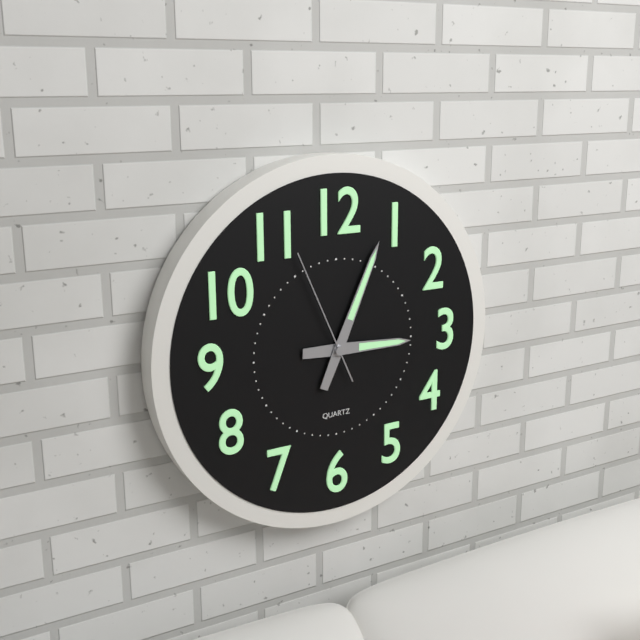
h=3 m=4 s=56
